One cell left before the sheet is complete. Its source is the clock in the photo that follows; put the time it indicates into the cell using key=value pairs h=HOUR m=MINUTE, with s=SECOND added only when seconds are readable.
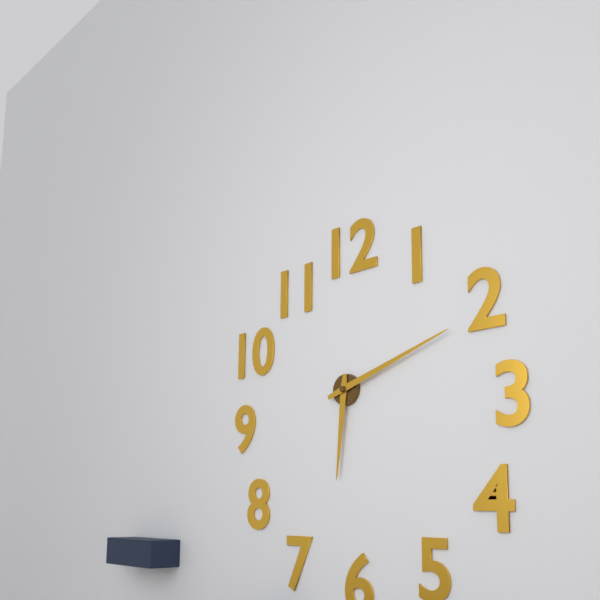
h=6 m=12
